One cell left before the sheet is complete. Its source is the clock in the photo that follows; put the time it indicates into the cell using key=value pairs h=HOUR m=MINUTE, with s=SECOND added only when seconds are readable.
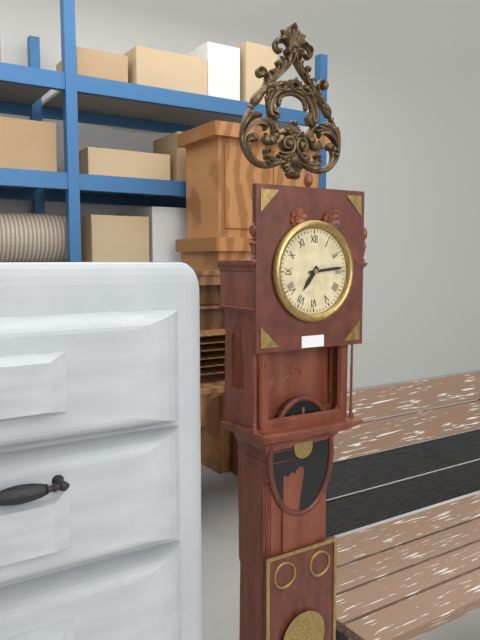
h=7 m=14
